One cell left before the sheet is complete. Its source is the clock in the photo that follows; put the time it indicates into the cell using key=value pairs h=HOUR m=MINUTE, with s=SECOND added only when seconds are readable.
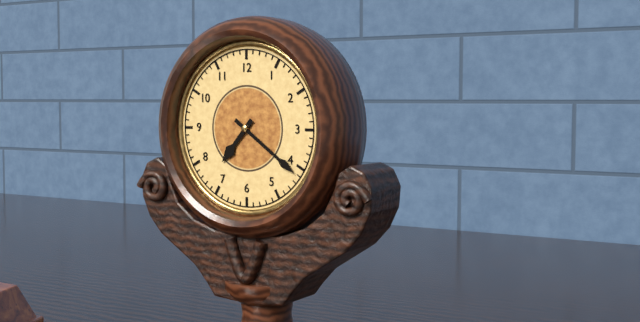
h=7 m=21
